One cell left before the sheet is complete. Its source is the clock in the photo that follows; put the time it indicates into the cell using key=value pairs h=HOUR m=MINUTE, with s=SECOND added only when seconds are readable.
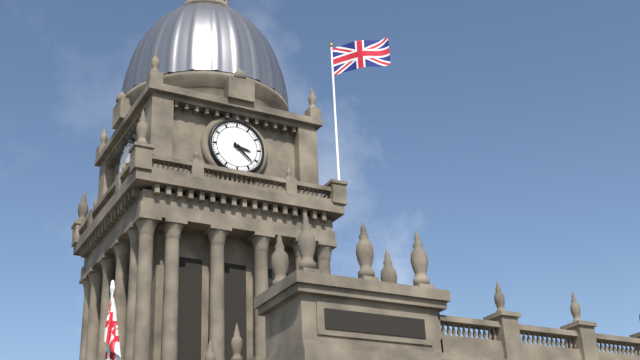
h=3 m=22
